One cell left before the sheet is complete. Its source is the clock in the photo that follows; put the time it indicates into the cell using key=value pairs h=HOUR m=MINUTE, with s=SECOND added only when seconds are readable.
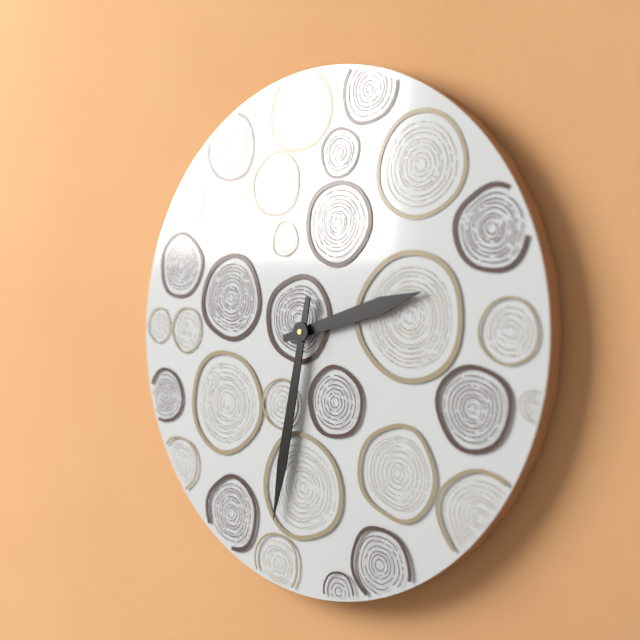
h=2 m=32
